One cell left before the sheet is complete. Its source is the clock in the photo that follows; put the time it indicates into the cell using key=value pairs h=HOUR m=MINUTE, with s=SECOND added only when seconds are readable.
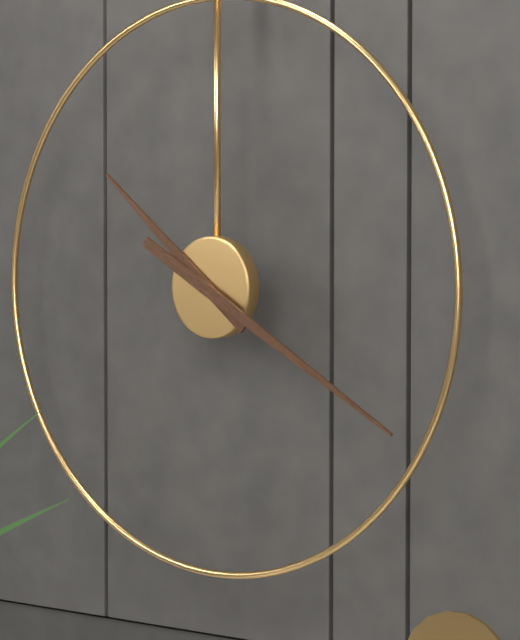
h=10 m=20
